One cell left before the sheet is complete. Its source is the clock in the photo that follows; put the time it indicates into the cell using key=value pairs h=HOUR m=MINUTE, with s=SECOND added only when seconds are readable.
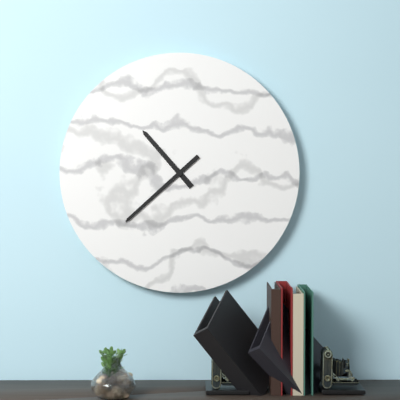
h=10 m=38
